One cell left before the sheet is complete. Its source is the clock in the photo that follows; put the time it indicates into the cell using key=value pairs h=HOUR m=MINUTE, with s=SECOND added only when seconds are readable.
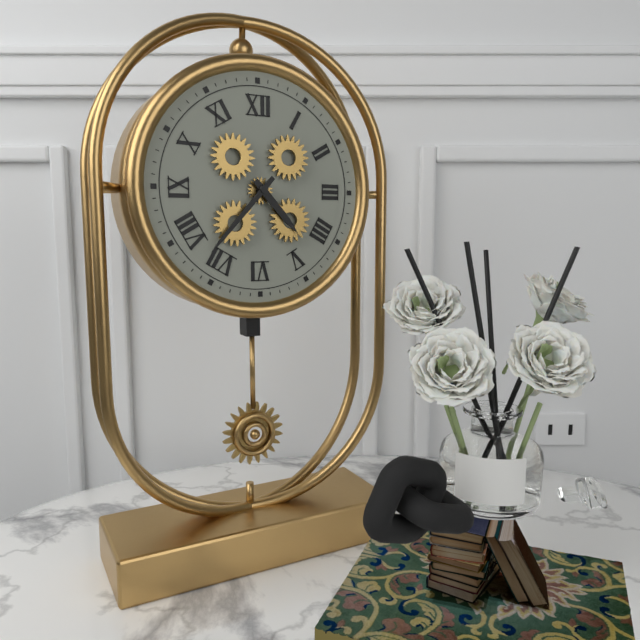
h=4 m=37
